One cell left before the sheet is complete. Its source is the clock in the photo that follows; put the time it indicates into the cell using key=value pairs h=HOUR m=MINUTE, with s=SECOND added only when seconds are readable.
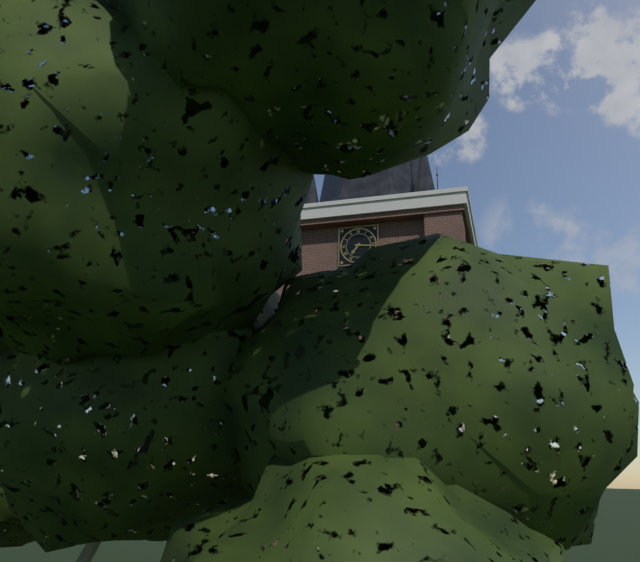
h=7 m=16
